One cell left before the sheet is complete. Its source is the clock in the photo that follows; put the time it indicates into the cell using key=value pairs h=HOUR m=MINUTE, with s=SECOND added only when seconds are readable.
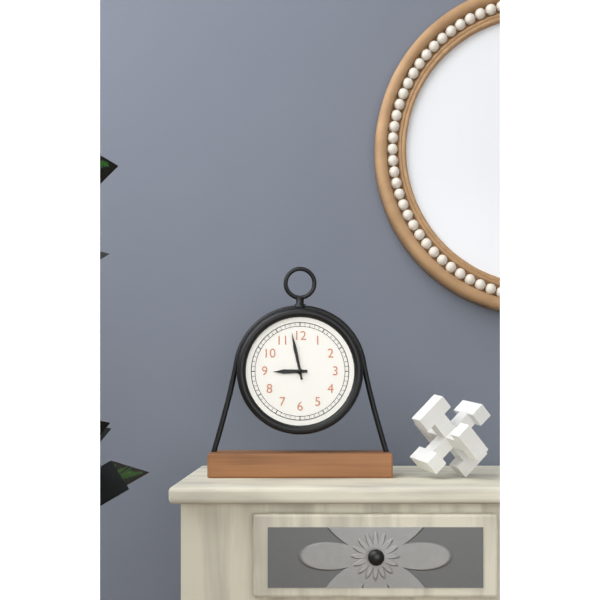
h=8 m=58
